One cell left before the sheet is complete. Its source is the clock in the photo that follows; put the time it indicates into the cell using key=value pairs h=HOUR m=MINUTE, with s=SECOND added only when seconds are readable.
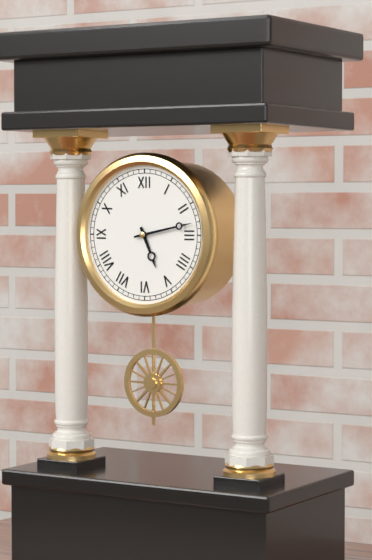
h=5 m=13
